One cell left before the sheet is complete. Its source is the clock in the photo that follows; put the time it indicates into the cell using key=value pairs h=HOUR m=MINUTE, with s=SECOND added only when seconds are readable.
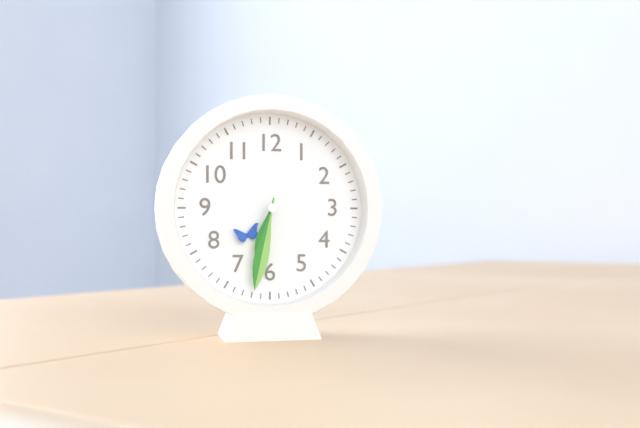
h=6 m=32
